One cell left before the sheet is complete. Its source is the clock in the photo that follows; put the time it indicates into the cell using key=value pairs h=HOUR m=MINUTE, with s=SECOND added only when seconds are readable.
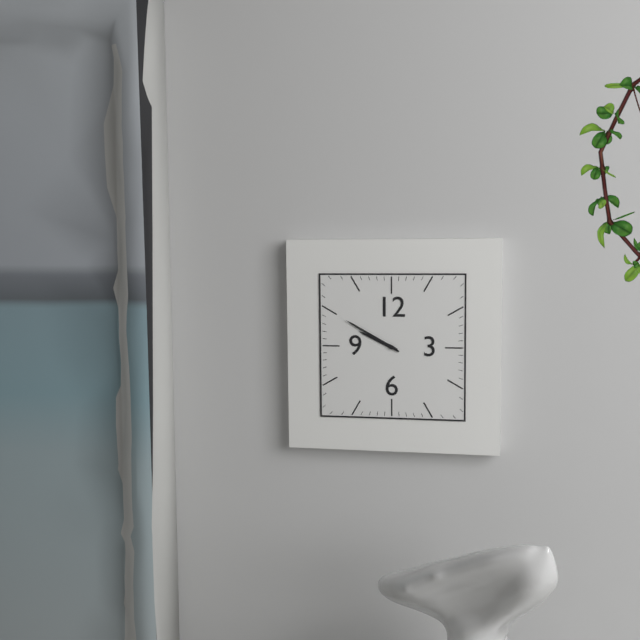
h=9 m=50
